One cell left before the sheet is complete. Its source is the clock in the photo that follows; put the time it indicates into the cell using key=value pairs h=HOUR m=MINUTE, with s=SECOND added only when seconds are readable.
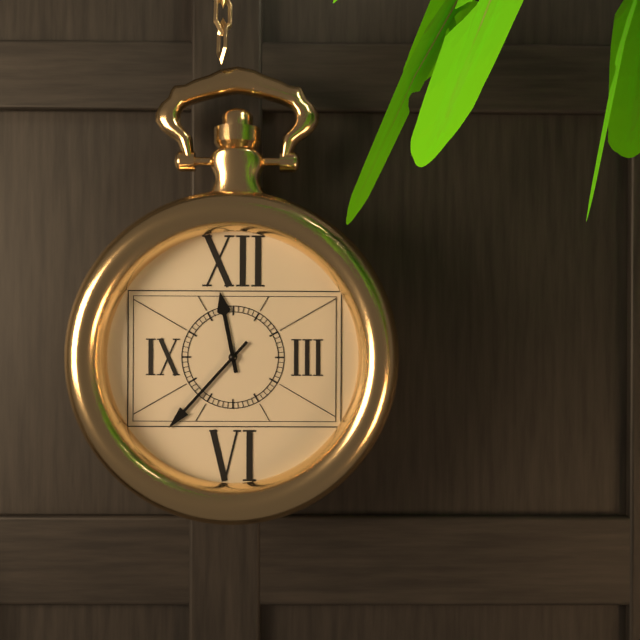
h=11 m=37
